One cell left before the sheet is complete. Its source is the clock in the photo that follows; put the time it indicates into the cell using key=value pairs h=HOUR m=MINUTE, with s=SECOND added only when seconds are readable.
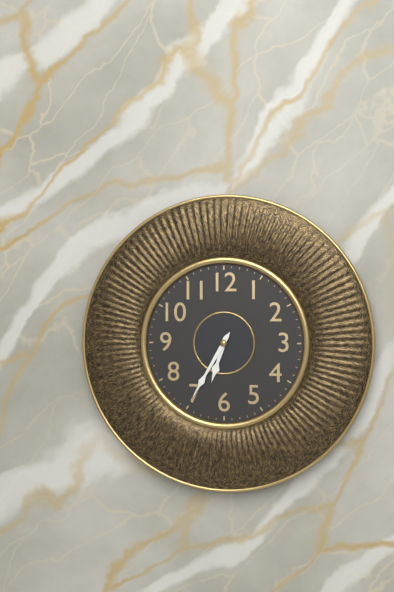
h=6 m=35
